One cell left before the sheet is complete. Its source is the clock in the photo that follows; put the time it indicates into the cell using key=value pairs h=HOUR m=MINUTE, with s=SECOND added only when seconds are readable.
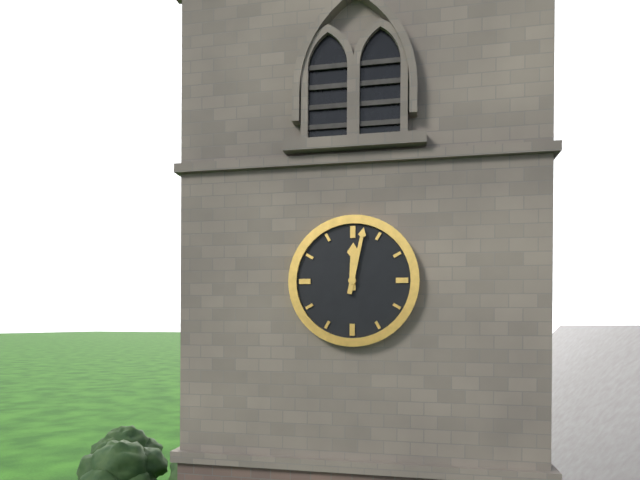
h=12 m=2
